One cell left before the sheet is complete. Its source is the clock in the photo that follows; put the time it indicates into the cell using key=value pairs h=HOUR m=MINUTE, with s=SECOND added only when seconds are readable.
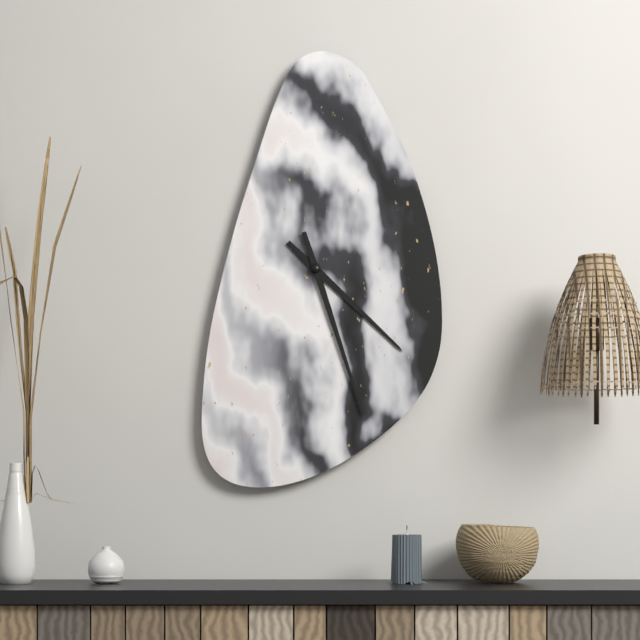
h=4 m=27
